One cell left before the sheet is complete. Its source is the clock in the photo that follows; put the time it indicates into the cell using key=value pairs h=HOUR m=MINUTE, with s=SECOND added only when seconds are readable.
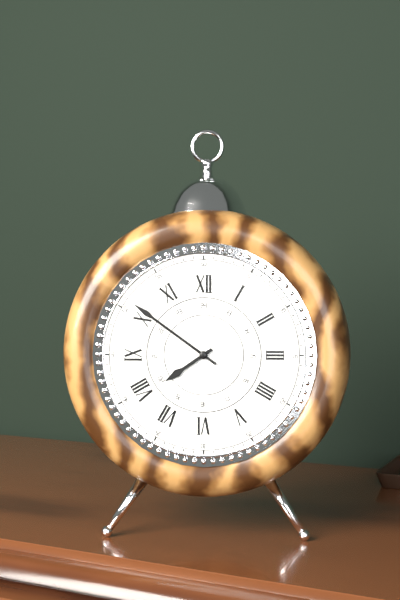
h=7 m=51
